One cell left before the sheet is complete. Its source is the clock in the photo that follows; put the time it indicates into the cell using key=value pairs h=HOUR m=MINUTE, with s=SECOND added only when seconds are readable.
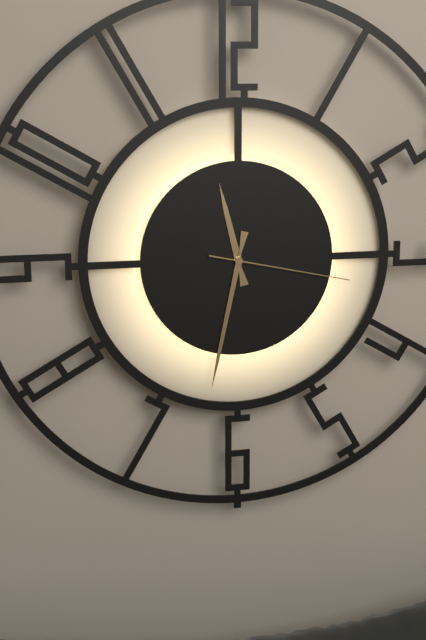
h=11 m=32 s=17
